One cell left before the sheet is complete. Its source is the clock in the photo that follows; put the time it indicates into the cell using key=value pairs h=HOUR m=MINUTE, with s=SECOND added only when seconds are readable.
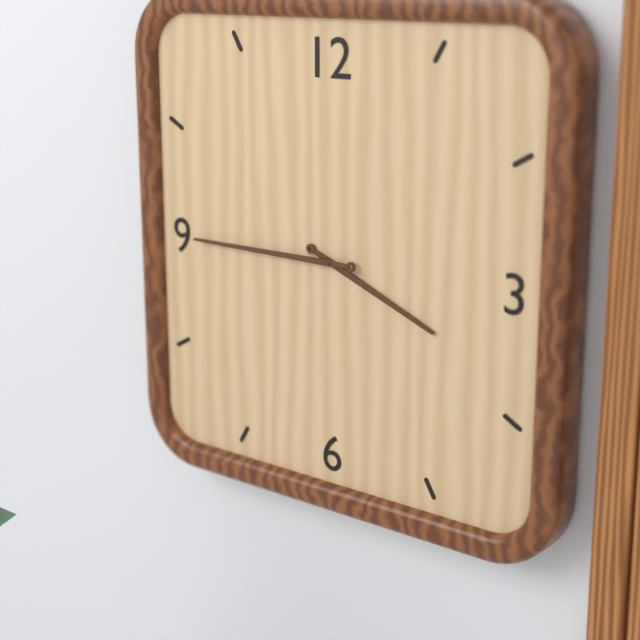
h=3 m=45
